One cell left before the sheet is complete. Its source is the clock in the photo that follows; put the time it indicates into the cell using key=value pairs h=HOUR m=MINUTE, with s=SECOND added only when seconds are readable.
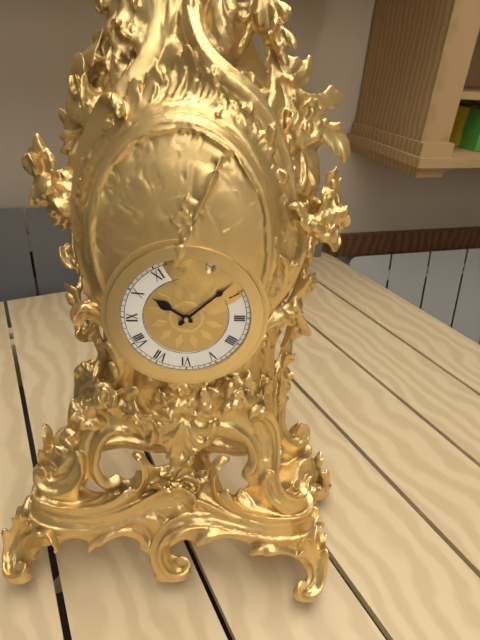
h=10 m=8
